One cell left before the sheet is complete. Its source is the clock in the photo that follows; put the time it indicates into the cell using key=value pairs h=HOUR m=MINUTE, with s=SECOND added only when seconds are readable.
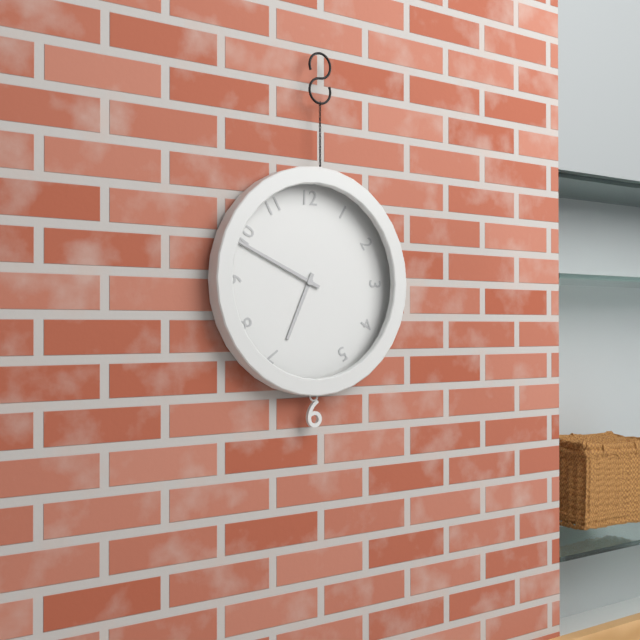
h=6 m=49
